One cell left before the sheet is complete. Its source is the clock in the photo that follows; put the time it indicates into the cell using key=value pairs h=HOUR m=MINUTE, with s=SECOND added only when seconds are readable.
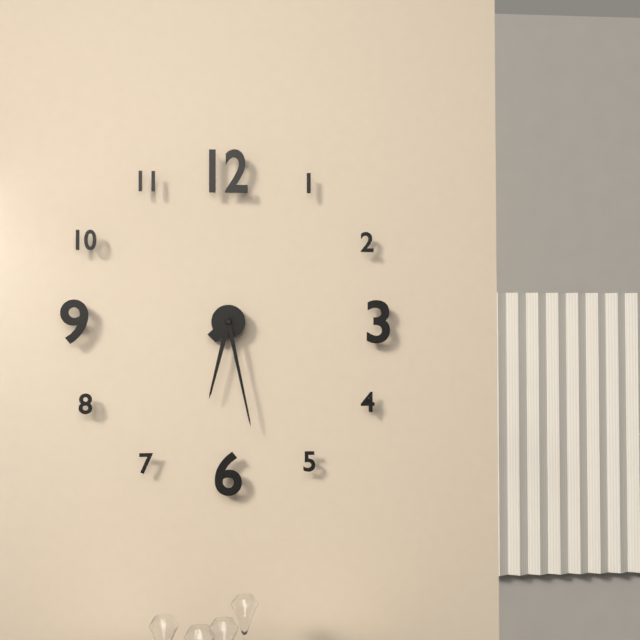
h=6 m=28
